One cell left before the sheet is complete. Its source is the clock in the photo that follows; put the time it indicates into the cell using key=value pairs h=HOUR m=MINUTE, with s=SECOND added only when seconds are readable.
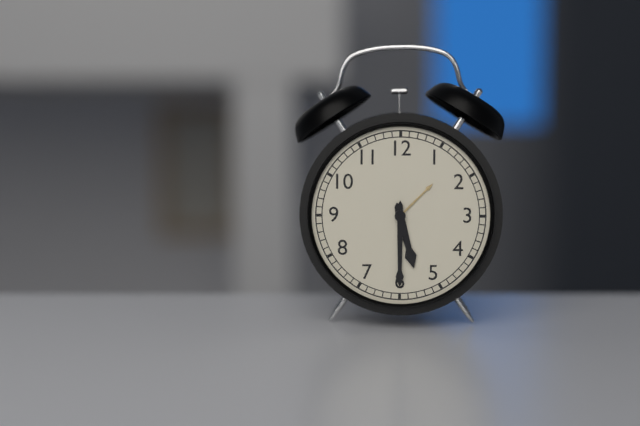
h=5 m=30
